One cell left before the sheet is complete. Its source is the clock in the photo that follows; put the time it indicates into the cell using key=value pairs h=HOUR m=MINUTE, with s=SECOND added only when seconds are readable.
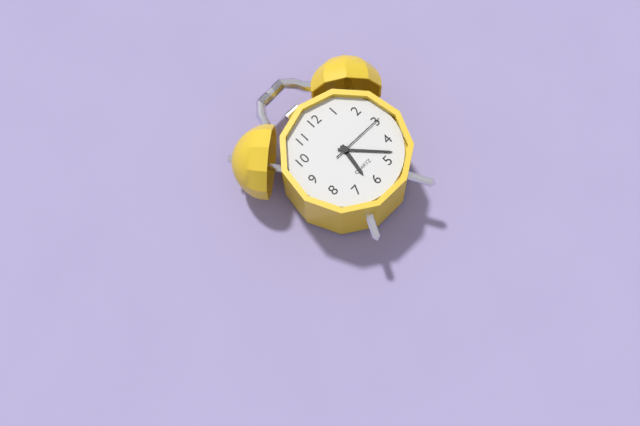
h=6 m=23 s=15
